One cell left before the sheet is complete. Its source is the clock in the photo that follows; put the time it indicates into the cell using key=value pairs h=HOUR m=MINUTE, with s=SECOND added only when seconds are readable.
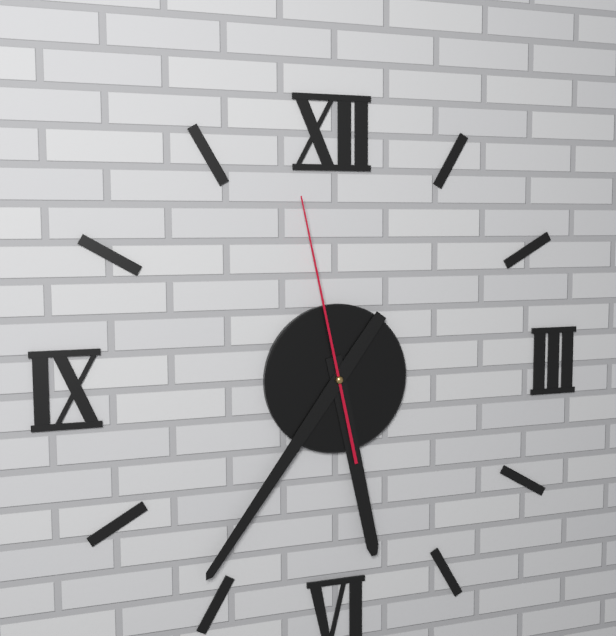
h=5 m=36 s=58
